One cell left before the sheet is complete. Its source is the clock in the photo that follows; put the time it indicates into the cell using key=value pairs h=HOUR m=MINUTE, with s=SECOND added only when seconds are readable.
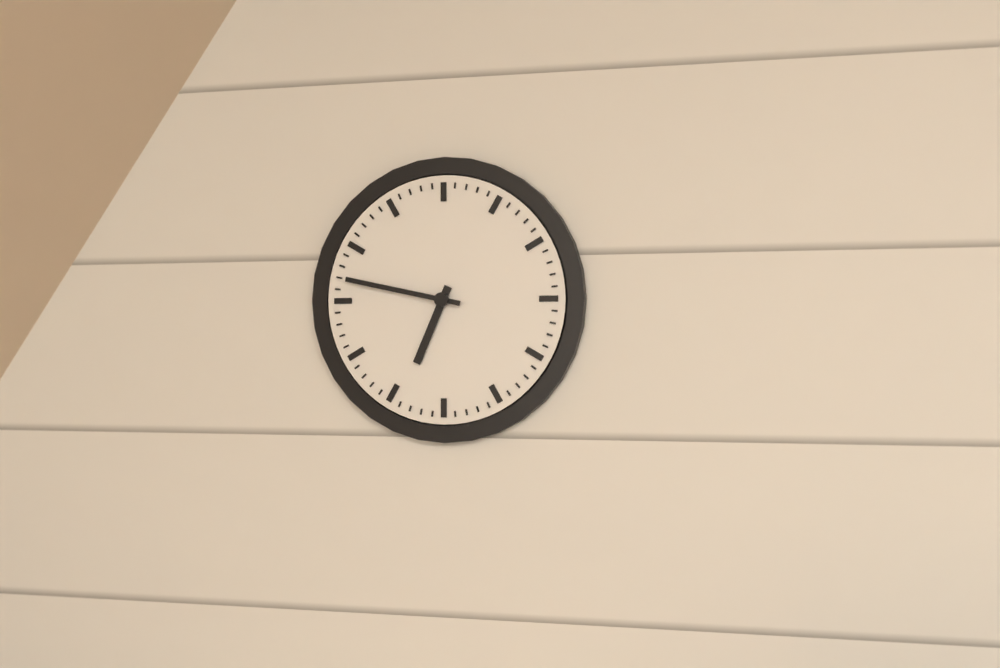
h=6 m=47
